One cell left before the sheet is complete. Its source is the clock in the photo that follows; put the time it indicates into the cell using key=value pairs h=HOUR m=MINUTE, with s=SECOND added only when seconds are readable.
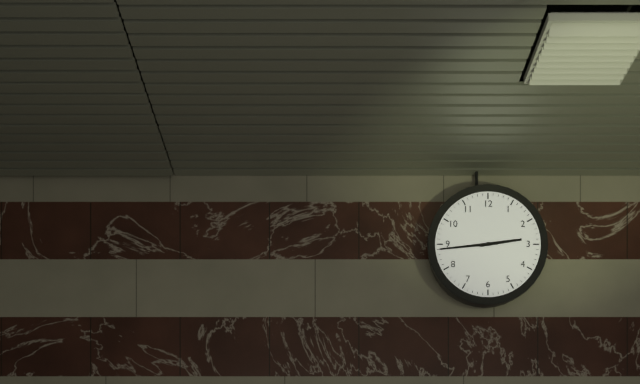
h=2 m=44
